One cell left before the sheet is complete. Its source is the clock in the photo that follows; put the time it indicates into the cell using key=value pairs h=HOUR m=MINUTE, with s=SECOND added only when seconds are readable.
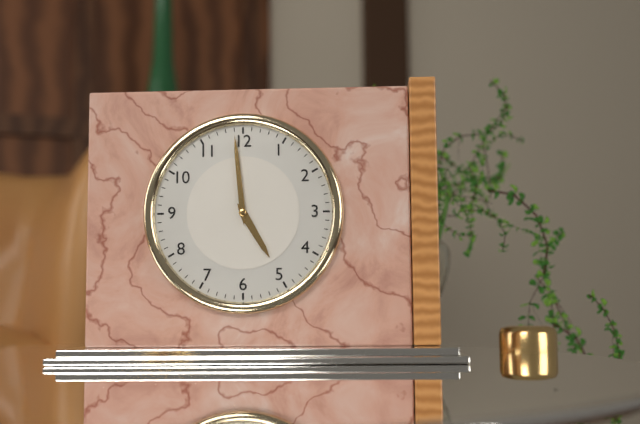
h=4 m=59
